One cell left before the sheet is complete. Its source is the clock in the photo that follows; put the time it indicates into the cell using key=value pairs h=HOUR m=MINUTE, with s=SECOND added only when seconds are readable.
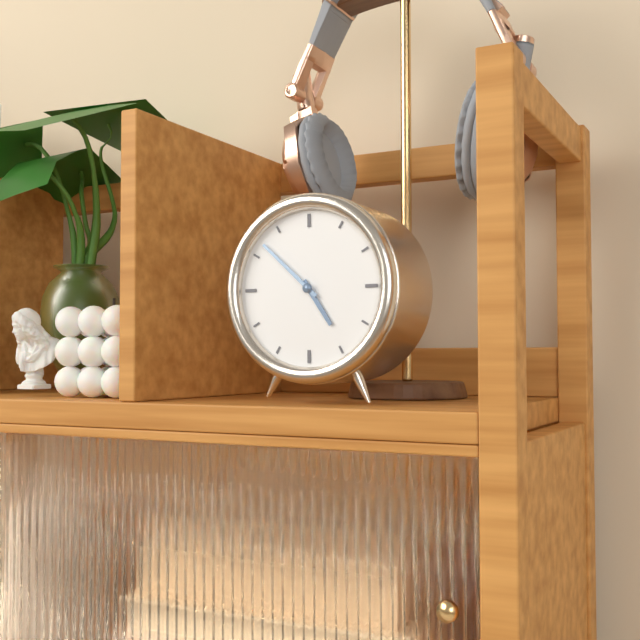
h=4 m=52
